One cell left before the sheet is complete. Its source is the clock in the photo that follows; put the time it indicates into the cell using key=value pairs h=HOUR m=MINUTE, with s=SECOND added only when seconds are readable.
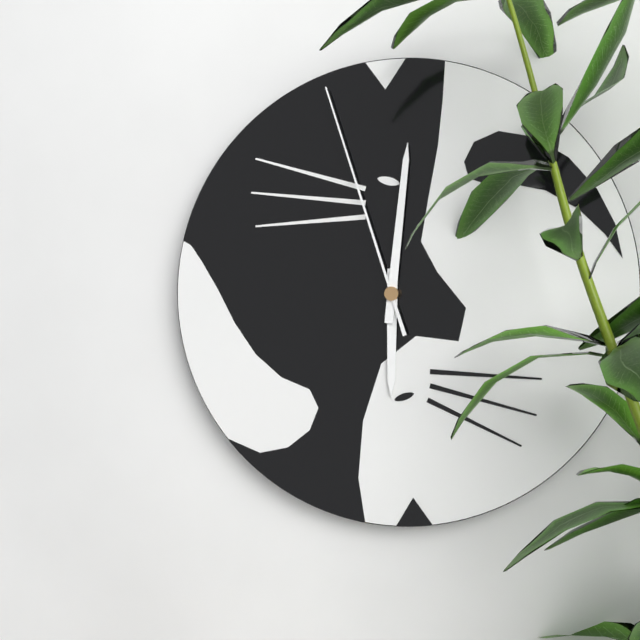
h=6 m=1 s=57
